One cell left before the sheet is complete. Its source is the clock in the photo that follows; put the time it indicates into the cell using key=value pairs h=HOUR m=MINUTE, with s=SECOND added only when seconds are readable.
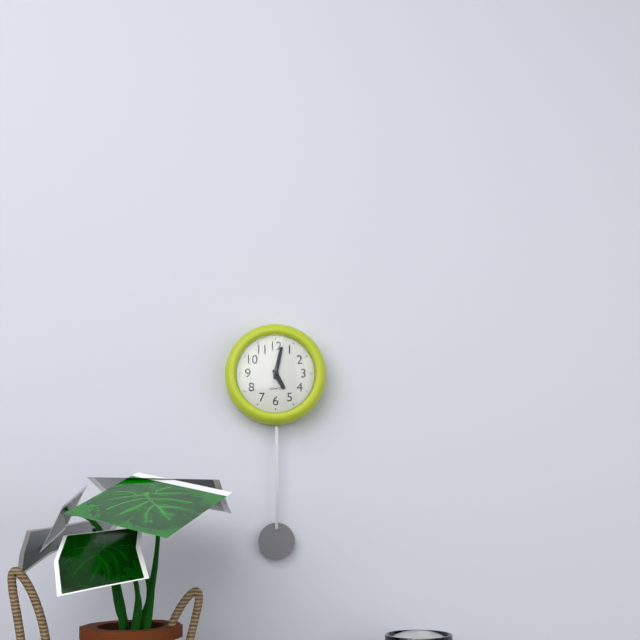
h=5 m=2
